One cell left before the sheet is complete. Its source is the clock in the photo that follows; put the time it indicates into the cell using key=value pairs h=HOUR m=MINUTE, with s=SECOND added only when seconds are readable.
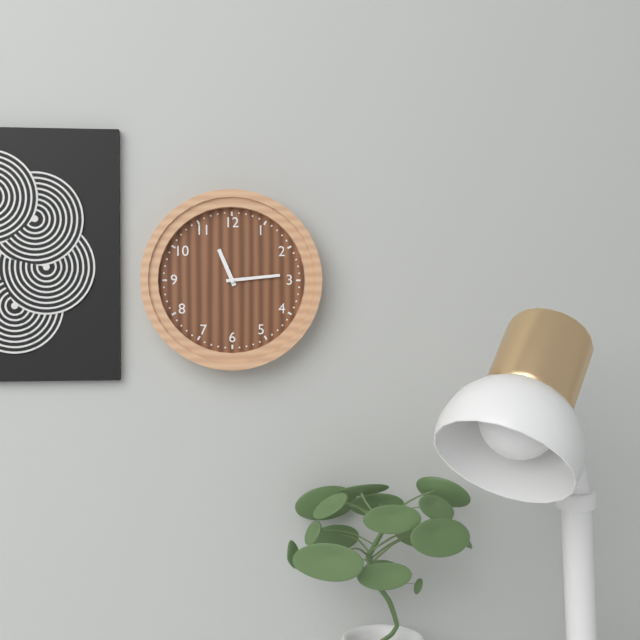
h=11 m=14
